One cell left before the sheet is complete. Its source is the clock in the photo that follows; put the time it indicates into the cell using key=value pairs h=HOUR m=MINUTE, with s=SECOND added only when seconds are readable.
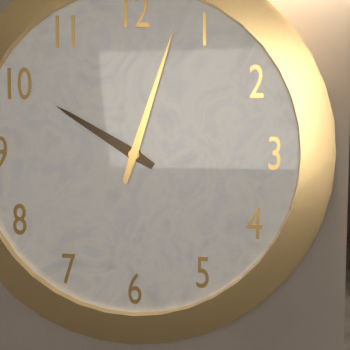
h=10 m=3
